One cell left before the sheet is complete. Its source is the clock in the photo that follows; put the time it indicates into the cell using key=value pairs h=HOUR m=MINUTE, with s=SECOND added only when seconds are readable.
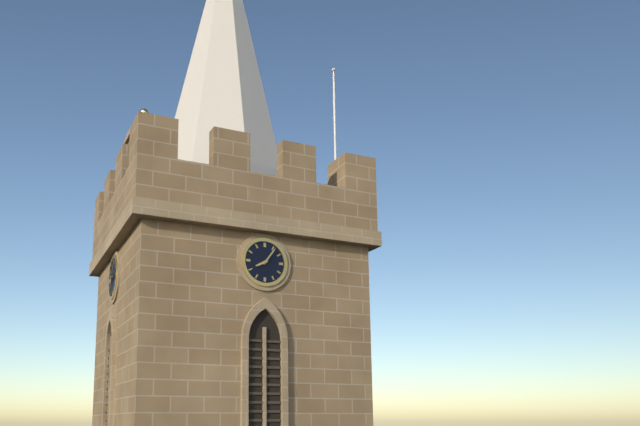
h=8 m=6
